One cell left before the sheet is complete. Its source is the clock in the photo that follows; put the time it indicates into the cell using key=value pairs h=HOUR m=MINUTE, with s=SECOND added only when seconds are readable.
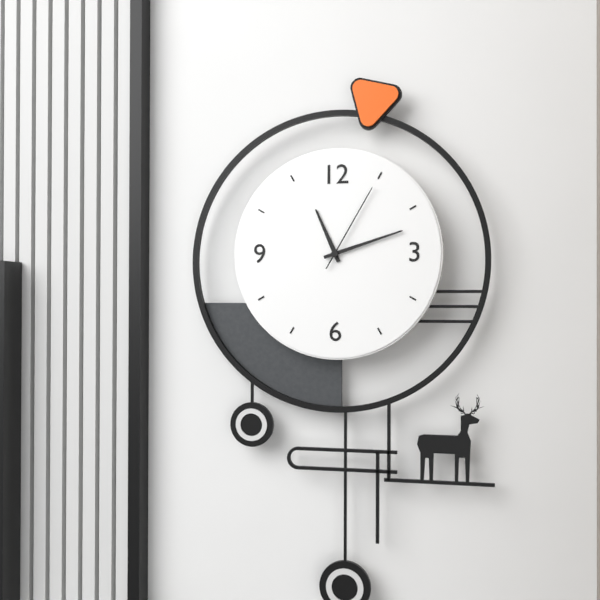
h=11 m=12 s=5
